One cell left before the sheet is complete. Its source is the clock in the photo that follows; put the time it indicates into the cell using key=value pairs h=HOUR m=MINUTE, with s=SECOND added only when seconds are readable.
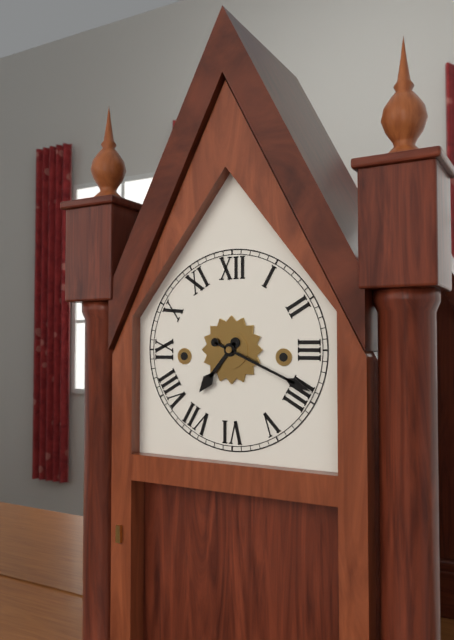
h=7 m=19
